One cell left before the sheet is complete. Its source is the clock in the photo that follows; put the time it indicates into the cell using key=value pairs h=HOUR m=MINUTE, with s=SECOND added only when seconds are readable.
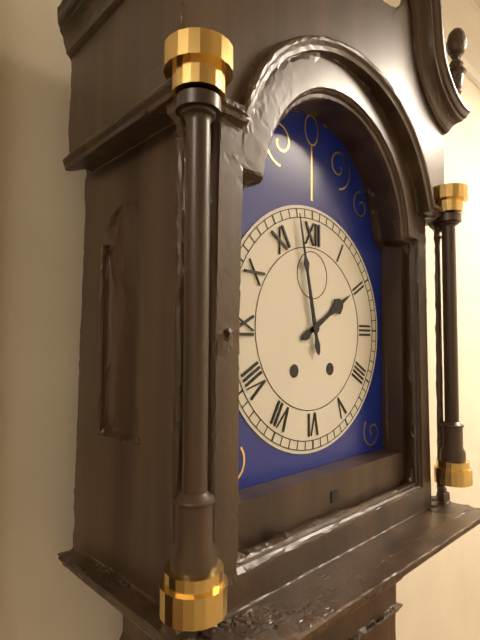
h=1 m=58
